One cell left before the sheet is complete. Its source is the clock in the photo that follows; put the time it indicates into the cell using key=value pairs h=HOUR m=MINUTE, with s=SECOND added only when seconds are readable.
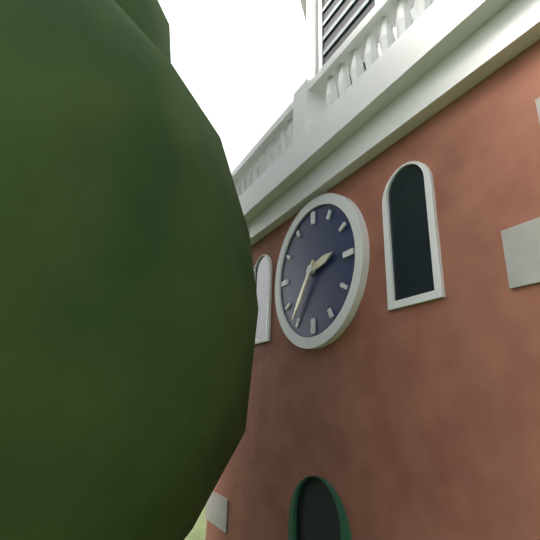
h=2 m=36
